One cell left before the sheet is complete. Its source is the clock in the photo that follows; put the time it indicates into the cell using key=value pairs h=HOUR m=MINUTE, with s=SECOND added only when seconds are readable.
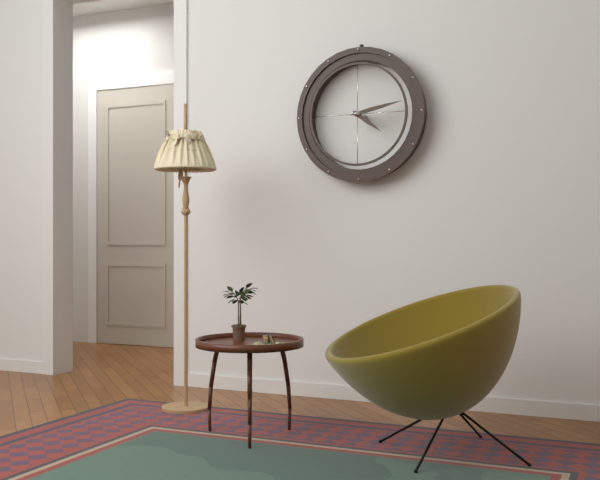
h=4 m=13
